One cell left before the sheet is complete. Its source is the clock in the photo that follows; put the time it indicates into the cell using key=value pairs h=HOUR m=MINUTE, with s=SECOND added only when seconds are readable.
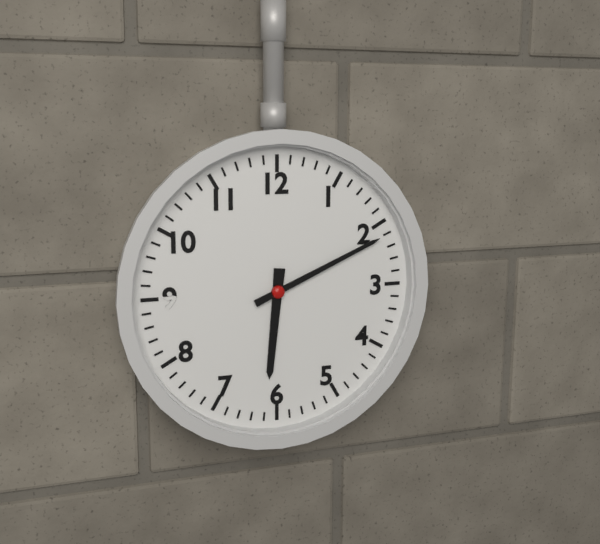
h=6 m=11
